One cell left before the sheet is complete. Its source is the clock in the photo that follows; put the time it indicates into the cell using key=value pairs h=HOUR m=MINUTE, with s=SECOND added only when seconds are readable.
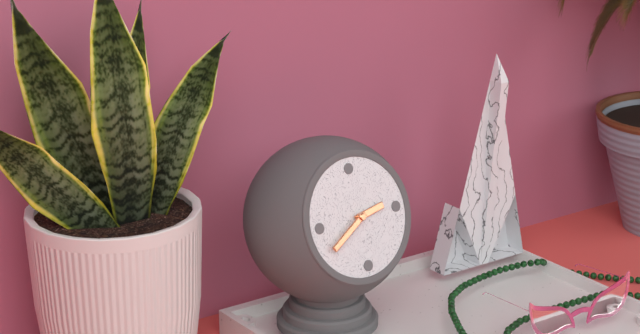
h=2 m=40
